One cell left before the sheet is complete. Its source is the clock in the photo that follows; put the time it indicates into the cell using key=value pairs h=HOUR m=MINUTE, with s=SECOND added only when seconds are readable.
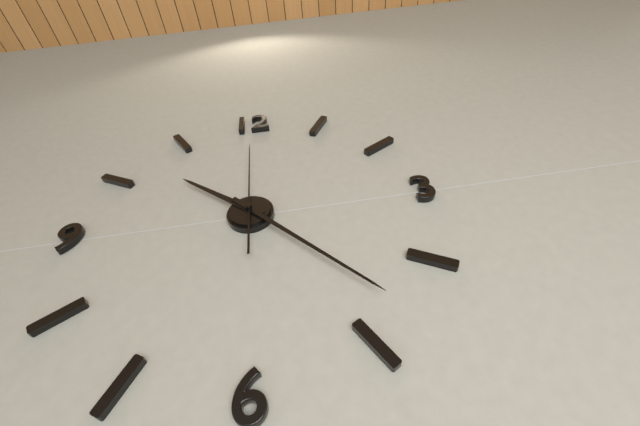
h=10 m=23 s=0
